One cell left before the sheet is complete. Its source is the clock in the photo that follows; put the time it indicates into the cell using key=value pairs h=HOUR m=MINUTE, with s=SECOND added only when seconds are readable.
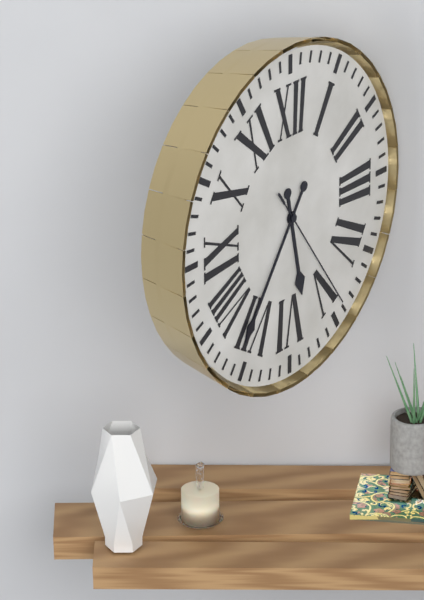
h=5 m=36 s=24
